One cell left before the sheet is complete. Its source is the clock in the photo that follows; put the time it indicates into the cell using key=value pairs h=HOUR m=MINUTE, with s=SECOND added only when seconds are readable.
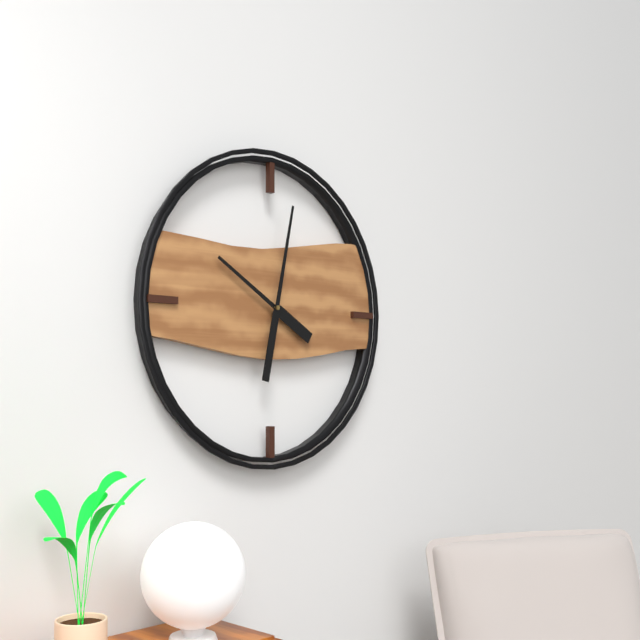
h=10 m=2
